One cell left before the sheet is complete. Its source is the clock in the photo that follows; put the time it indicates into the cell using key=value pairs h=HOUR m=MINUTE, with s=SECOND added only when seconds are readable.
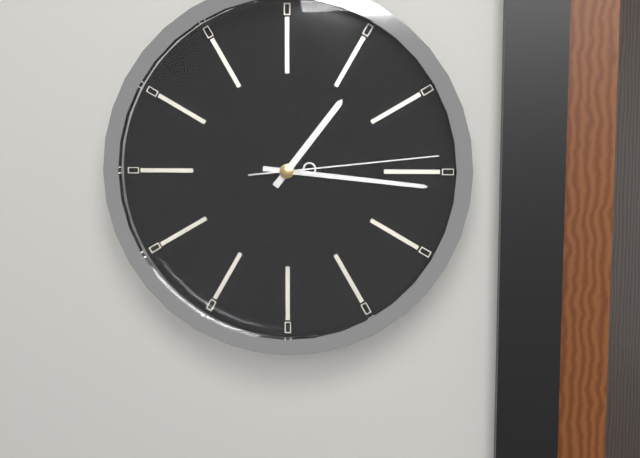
h=1 m=16 s=14
